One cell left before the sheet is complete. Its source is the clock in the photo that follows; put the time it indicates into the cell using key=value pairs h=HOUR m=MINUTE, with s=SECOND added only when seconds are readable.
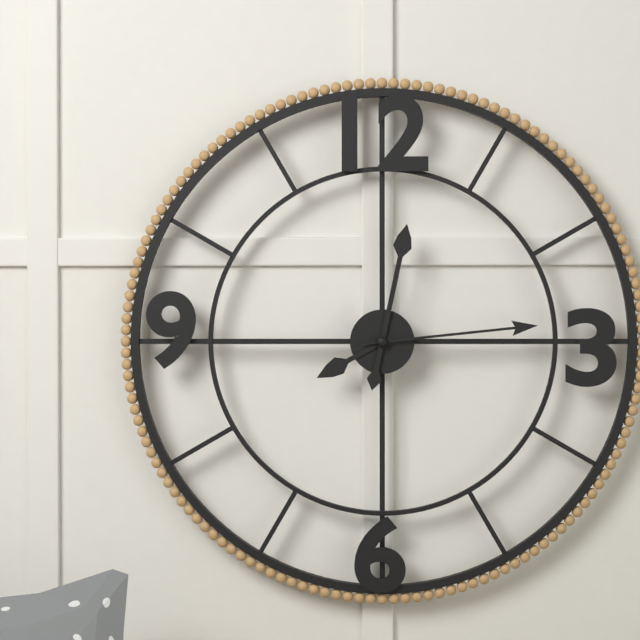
h=8 m=2 s=14
